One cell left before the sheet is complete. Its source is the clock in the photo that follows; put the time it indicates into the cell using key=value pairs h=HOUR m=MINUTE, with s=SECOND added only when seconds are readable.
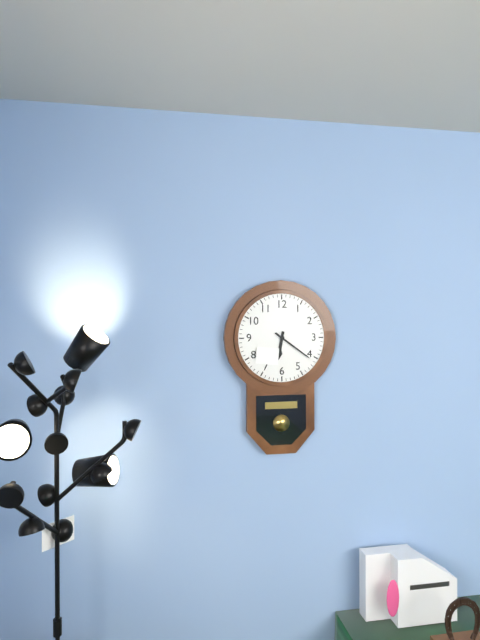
h=6 m=21
